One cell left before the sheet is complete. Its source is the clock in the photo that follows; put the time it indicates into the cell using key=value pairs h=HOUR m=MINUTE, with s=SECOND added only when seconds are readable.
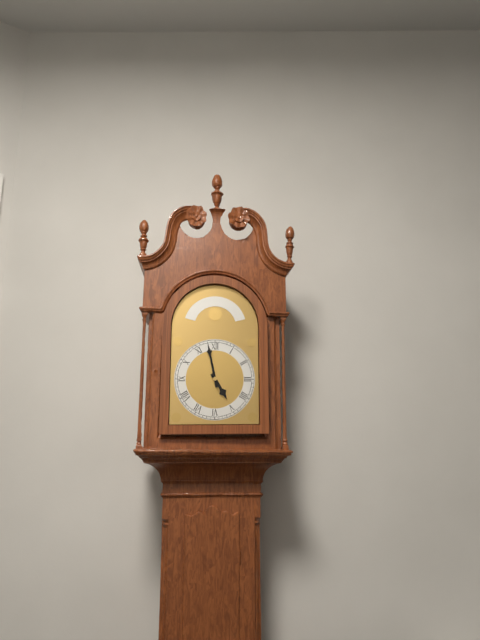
h=4 m=58
